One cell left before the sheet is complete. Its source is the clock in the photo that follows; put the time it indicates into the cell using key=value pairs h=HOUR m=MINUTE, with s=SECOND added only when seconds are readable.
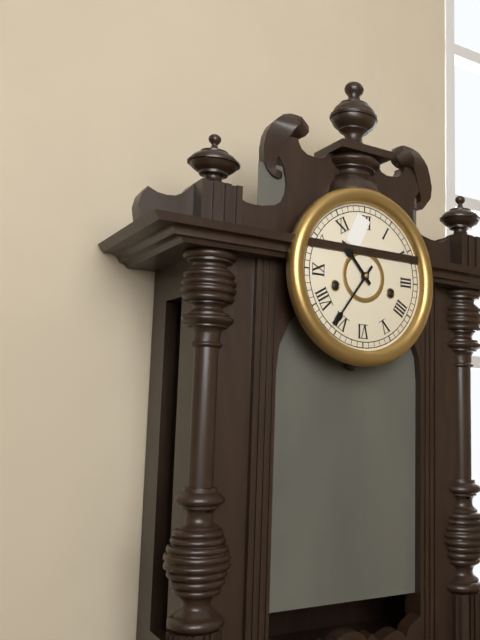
h=10 m=36
